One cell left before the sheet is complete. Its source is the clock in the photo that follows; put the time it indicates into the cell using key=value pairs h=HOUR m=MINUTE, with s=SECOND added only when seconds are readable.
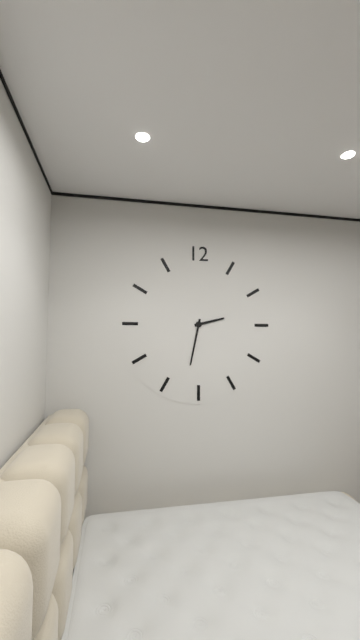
h=2 m=32
